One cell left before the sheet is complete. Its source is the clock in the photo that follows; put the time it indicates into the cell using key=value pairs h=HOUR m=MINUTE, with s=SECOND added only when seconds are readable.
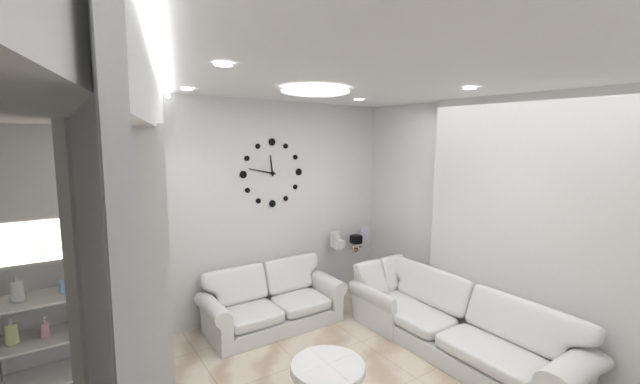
h=11 m=47
